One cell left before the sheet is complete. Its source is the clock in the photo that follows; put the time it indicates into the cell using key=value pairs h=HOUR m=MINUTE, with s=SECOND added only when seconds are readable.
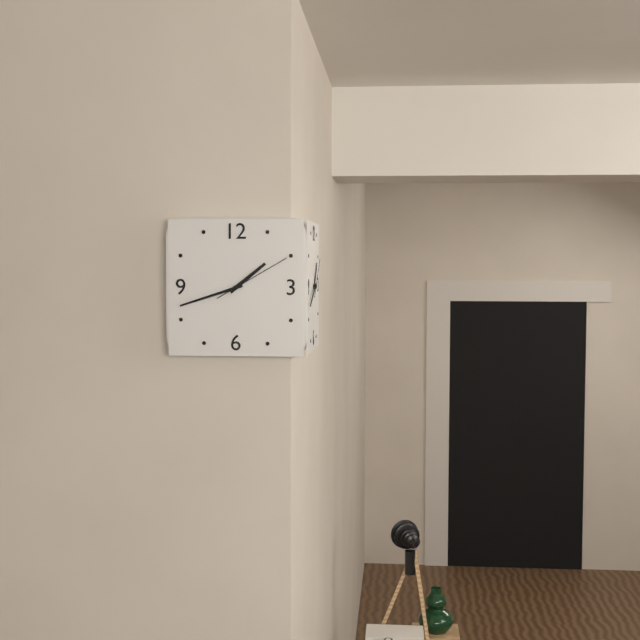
h=1 m=42 s=10
